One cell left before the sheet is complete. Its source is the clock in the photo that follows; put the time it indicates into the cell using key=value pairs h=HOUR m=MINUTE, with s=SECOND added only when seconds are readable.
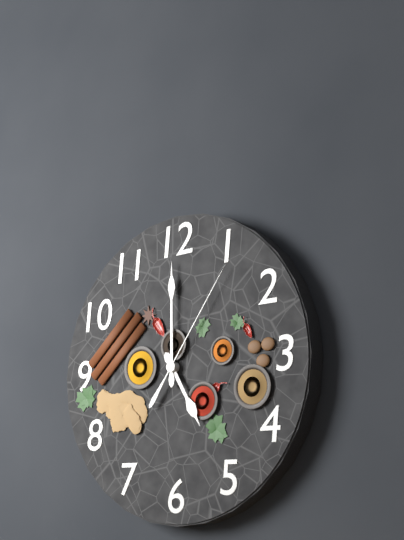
h=5 m=0 s=6
